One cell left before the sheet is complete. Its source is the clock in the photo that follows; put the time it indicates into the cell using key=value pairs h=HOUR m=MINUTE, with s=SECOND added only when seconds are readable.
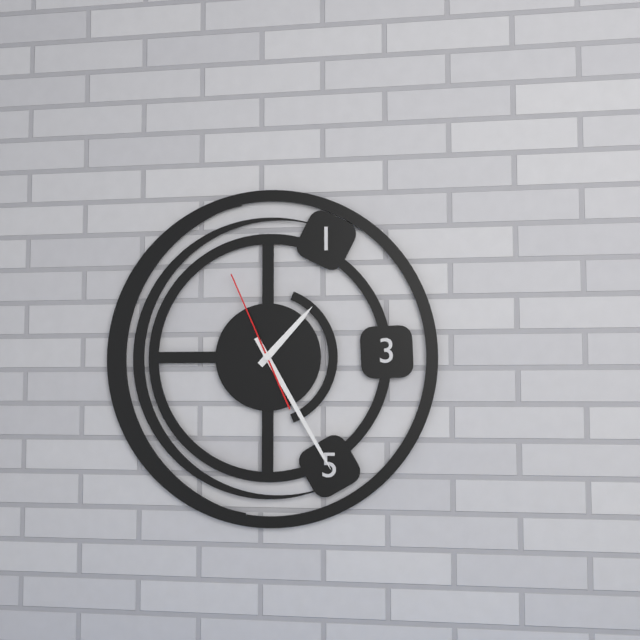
h=1 m=25 s=56
